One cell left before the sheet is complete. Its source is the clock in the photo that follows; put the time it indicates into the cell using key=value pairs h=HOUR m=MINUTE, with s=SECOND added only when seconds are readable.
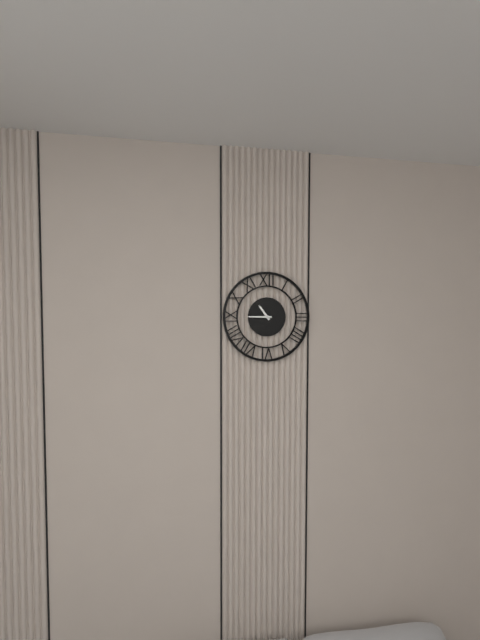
h=10 m=45
